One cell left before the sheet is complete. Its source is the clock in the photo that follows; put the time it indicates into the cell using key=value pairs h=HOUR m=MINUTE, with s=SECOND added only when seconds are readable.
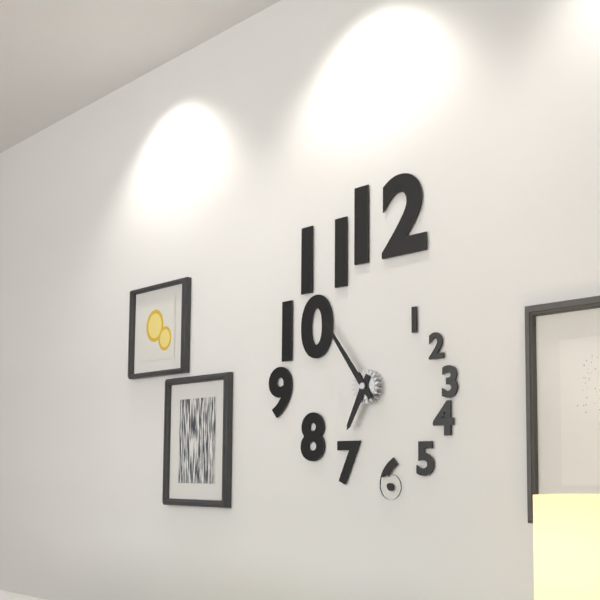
h=6 m=54
